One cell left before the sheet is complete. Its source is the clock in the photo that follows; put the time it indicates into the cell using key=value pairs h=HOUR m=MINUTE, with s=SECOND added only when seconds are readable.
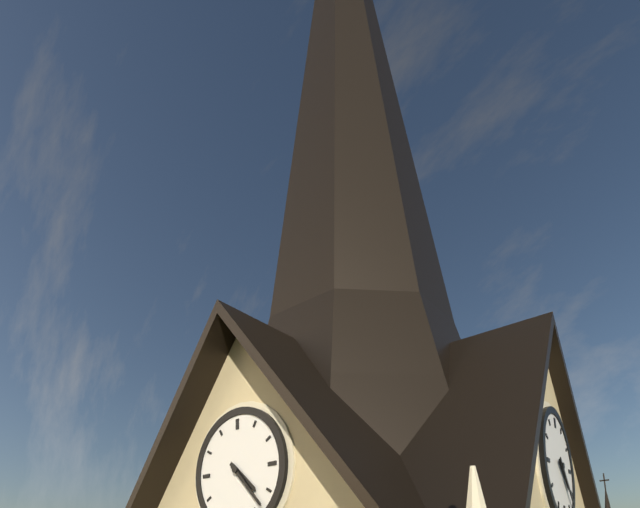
h=4 m=23
